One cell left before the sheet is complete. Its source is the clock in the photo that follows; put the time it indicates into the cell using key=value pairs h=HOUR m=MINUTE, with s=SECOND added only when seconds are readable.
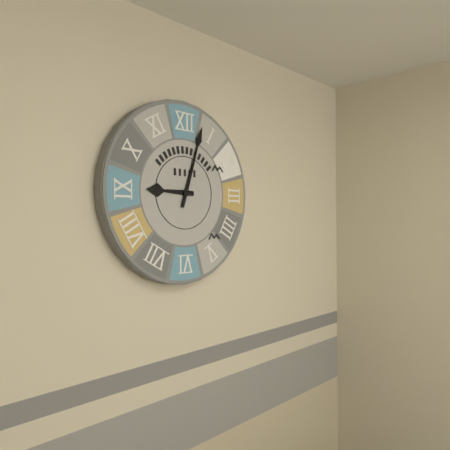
h=9 m=3
